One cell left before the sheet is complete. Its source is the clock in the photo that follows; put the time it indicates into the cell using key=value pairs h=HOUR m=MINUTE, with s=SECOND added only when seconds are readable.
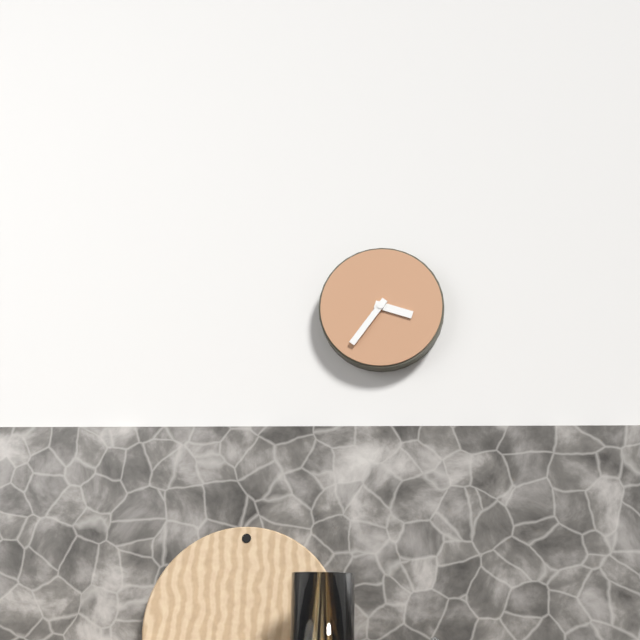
h=3 m=36
